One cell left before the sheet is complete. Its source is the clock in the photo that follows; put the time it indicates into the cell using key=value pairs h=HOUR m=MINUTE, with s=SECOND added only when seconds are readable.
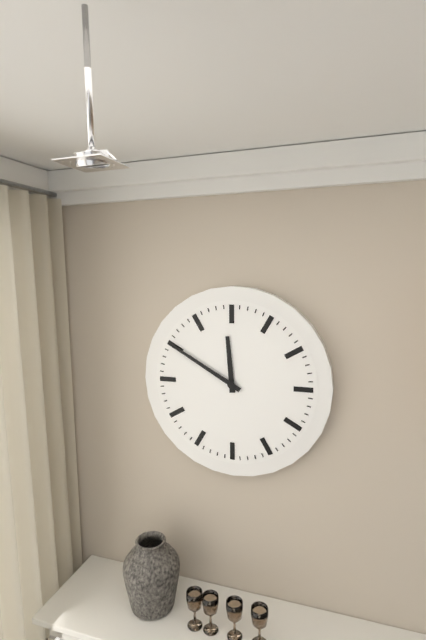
h=11 m=50
